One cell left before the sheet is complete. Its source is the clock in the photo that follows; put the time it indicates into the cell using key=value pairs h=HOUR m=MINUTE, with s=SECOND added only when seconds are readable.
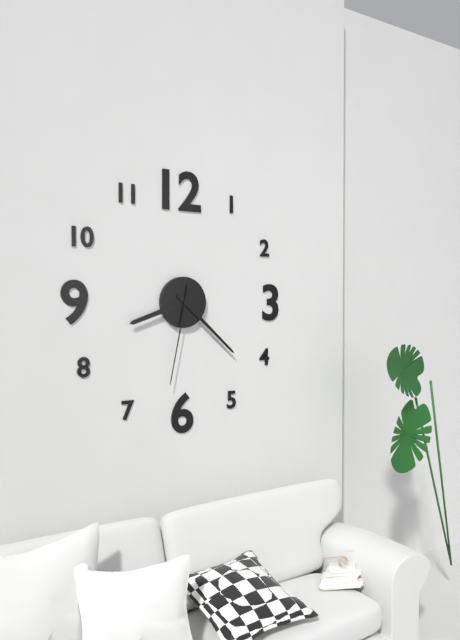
h=8 m=22 s=32
